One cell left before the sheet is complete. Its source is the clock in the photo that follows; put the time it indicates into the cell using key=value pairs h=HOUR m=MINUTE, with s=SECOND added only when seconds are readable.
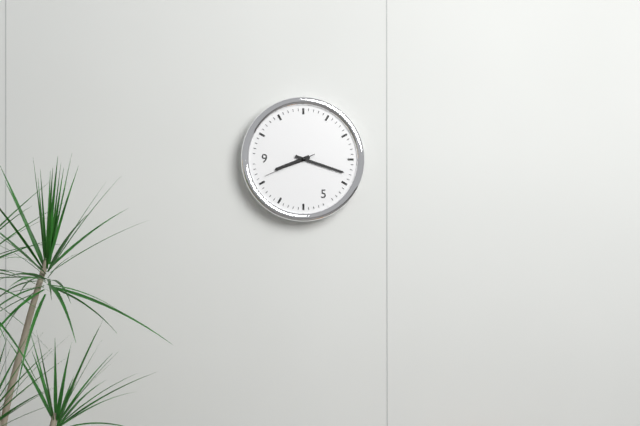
h=8 m=18 s=41
